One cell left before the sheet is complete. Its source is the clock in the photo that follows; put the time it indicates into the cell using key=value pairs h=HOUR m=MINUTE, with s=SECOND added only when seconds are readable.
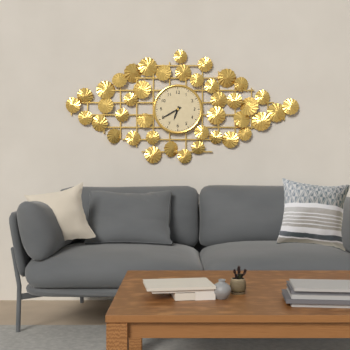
h=6 m=40
